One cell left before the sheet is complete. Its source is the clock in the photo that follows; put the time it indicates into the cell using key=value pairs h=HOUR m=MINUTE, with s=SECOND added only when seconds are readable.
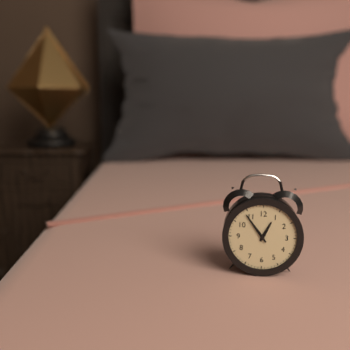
h=12 m=54
